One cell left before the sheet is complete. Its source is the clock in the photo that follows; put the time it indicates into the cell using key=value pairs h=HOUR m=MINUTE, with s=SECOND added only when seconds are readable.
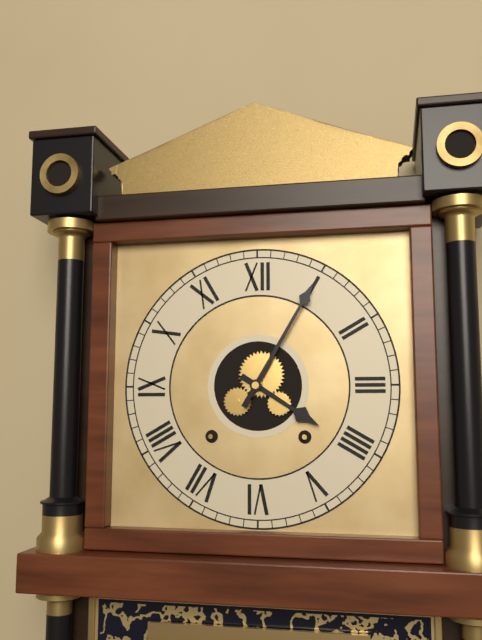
h=4 m=5
